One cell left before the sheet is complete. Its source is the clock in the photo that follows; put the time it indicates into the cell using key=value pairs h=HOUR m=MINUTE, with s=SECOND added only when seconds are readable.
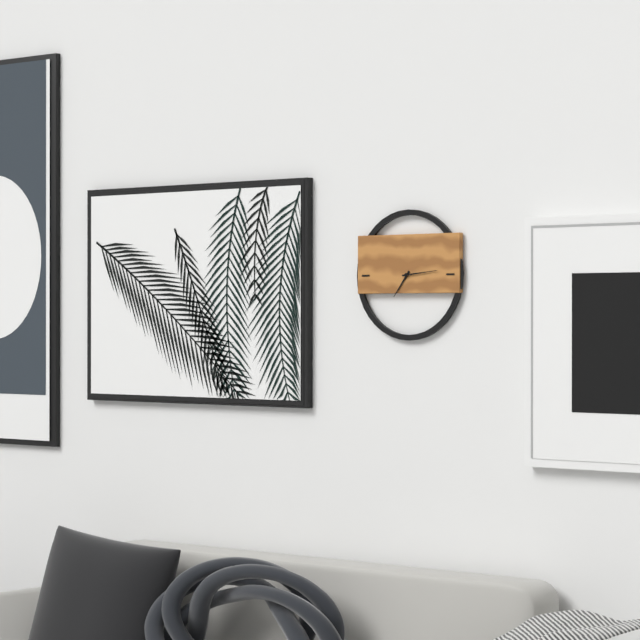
h=7 m=14
